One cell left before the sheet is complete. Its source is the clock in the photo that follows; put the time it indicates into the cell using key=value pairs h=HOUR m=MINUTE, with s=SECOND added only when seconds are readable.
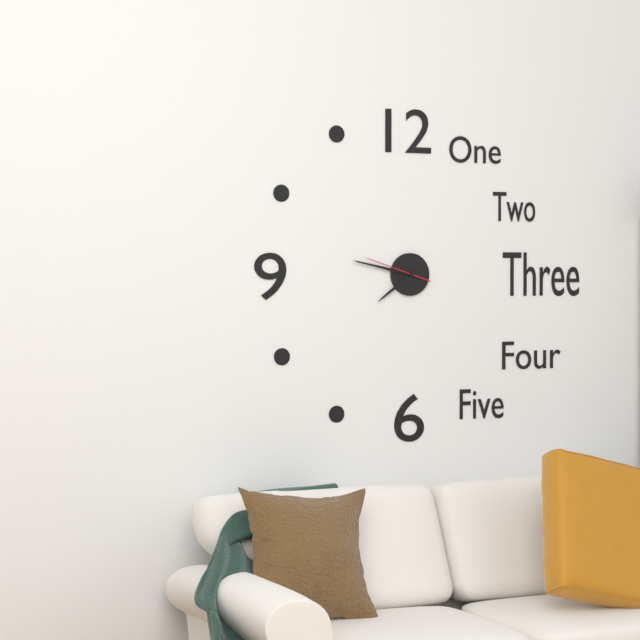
h=7 m=47 s=48
